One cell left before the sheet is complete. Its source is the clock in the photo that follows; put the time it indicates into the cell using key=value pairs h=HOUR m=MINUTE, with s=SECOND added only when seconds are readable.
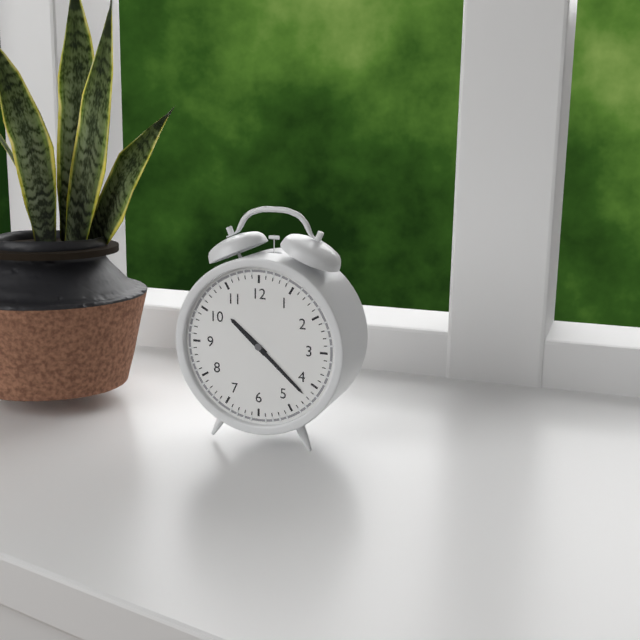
h=10 m=22
